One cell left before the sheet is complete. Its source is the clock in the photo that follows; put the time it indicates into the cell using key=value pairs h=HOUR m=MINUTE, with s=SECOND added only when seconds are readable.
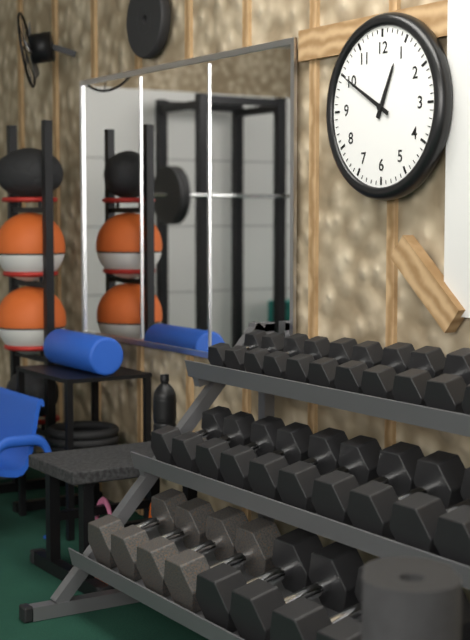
h=12 m=50
